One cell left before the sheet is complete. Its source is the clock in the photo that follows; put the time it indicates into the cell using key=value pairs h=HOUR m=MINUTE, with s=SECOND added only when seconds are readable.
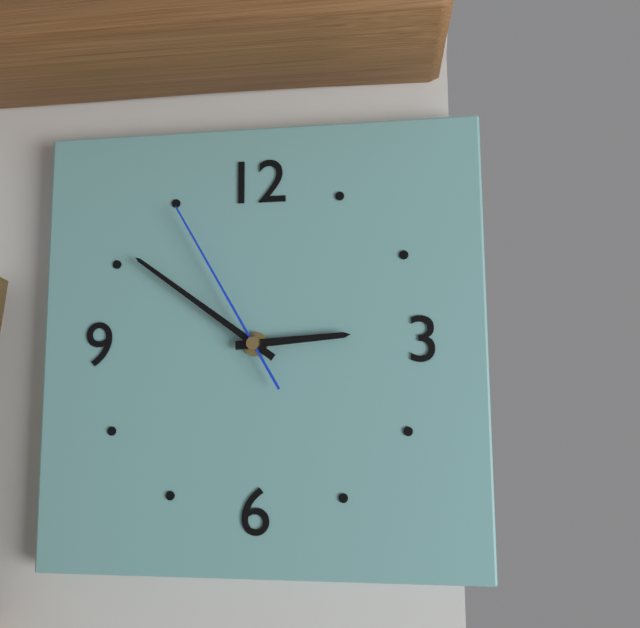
h=2 m=51 s=55
